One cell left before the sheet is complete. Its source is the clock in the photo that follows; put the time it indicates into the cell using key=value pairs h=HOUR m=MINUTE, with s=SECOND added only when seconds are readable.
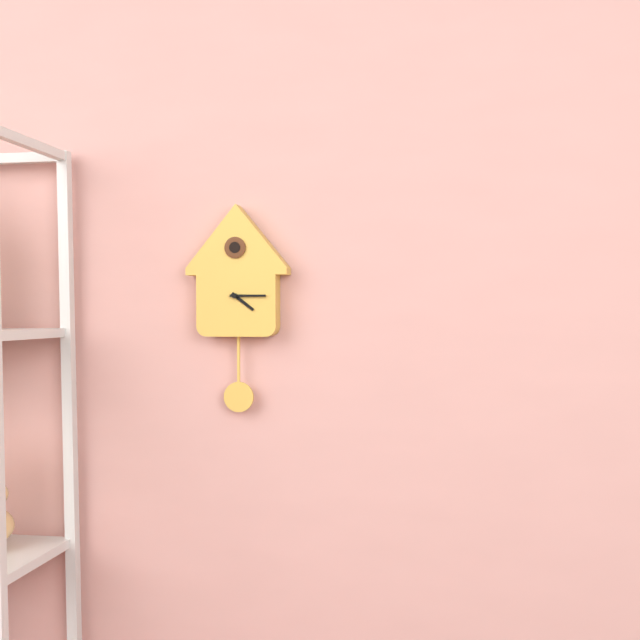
h=4 m=15
